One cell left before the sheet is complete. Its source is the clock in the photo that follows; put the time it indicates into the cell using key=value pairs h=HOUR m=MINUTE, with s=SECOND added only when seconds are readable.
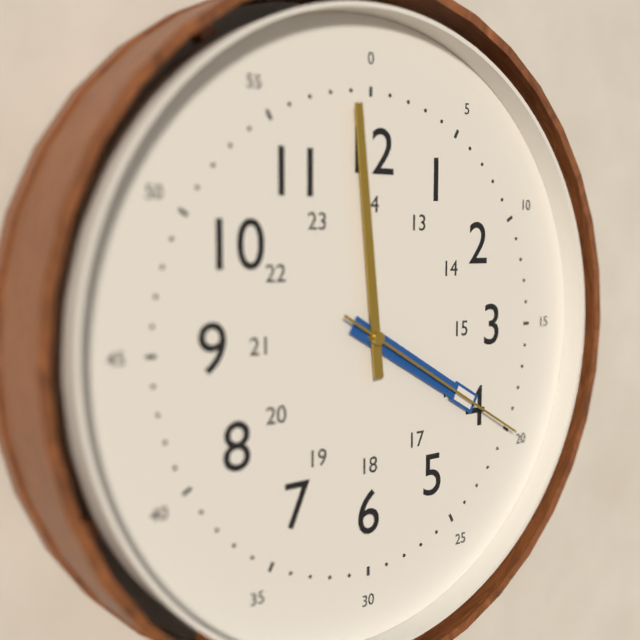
h=3 m=59 s=20
